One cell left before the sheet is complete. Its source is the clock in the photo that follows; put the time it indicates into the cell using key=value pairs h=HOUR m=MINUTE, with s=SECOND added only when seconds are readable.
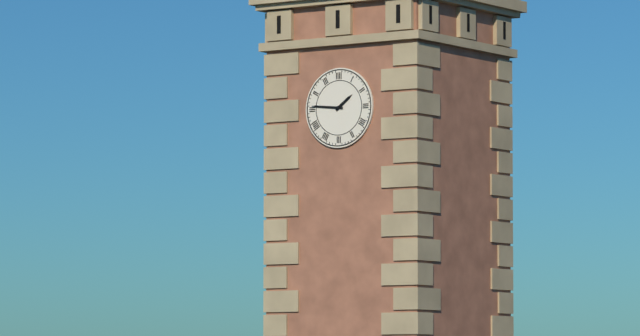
h=1 m=46
